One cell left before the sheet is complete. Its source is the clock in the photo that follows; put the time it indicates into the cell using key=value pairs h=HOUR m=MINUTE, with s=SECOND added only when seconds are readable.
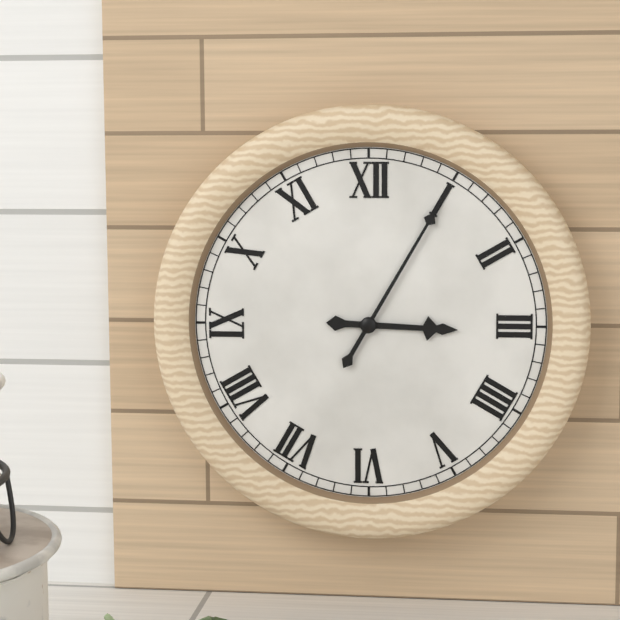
h=3 m=5
